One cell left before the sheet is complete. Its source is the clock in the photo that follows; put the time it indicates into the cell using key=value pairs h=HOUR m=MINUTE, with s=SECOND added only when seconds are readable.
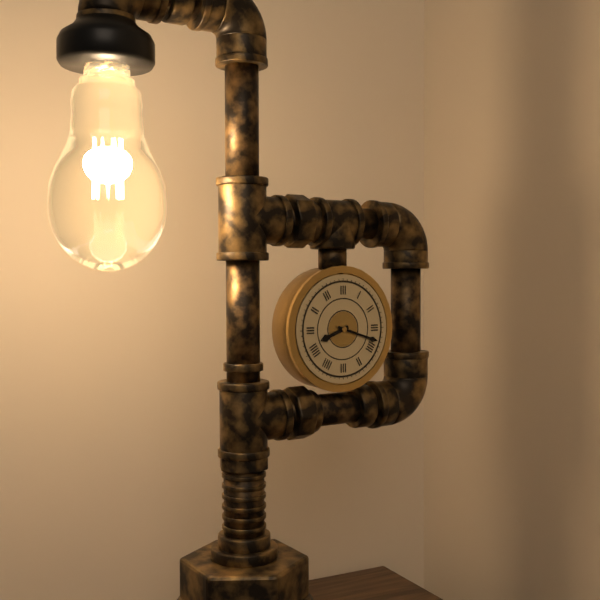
h=8 m=18
